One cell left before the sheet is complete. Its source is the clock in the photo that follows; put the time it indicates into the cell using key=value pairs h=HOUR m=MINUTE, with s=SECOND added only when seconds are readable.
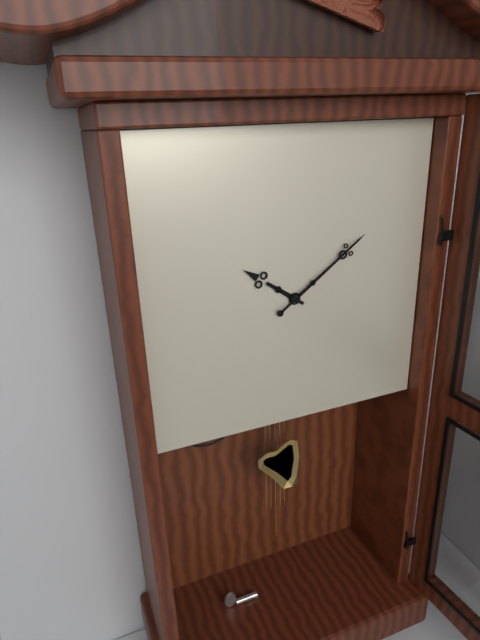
h=10 m=9
